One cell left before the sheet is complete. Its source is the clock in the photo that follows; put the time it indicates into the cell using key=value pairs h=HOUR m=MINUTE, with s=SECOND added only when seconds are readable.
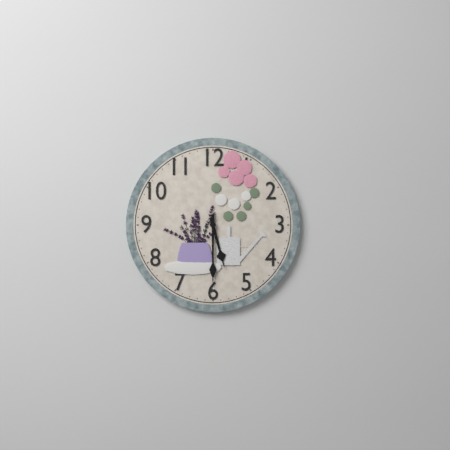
h=5 m=30
